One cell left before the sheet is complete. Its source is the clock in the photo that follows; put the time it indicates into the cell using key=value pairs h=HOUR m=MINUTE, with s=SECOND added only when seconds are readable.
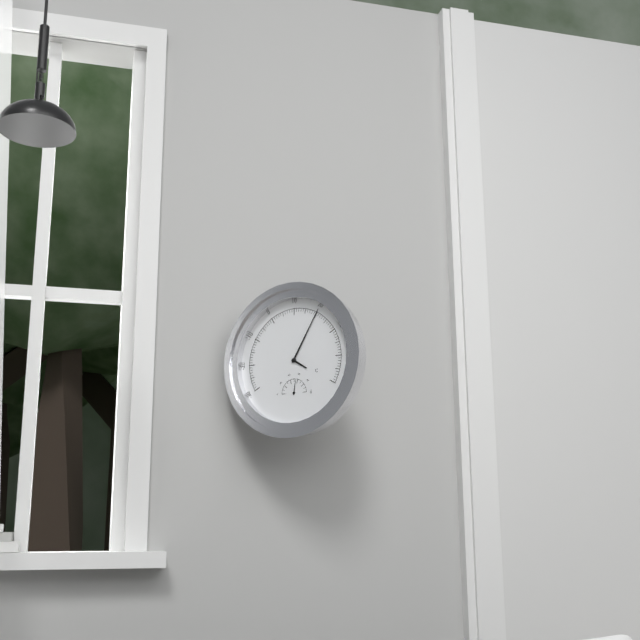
h=4 m=5
